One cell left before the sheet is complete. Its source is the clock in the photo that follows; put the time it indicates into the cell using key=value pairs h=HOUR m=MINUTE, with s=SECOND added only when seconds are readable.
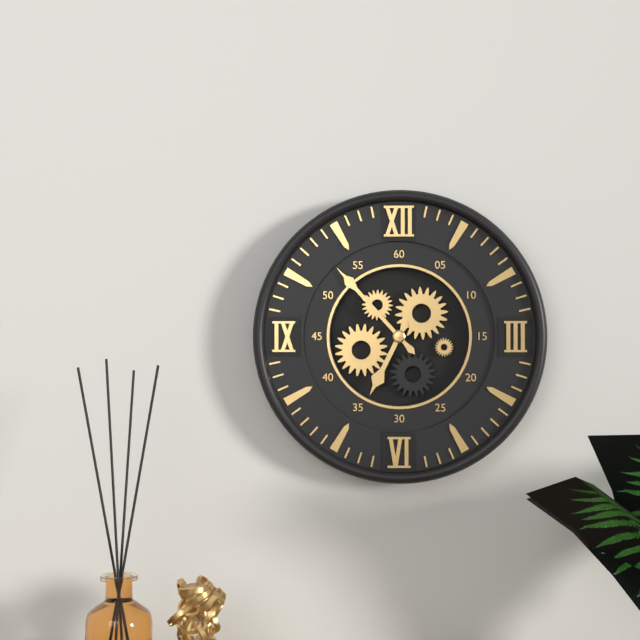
h=6 m=53
